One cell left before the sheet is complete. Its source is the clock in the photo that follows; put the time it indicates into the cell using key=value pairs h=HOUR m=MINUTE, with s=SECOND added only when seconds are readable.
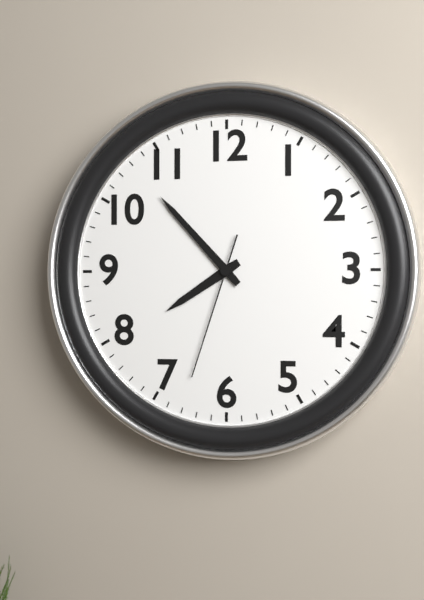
h=7 m=53 s=33
